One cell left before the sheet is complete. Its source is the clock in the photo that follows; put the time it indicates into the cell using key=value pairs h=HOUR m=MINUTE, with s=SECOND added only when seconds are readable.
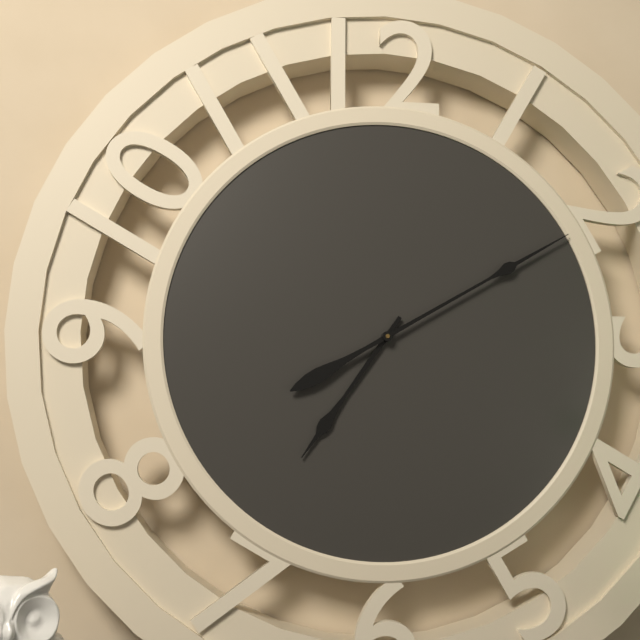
h=7 m=10
